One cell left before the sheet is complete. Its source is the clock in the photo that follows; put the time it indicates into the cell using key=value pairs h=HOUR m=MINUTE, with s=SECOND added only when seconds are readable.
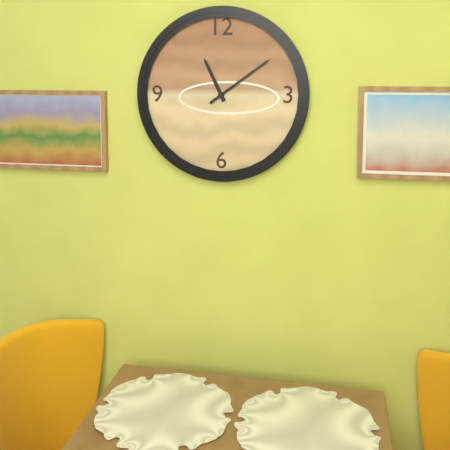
h=11 m=9
